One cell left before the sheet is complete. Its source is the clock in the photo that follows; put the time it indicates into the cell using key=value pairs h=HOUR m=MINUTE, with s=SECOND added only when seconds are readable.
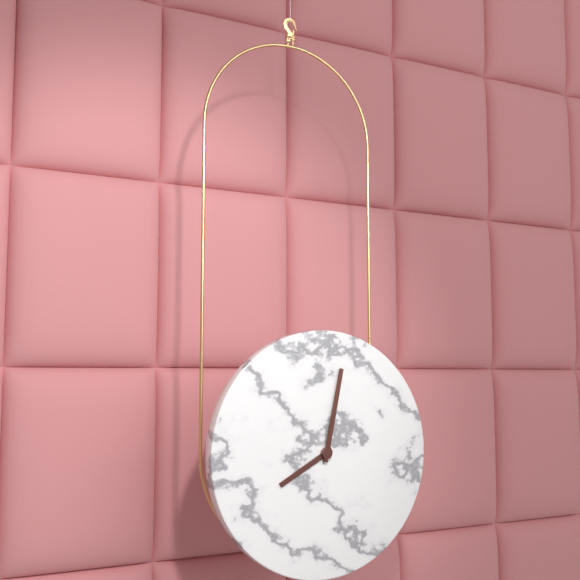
h=8 m=2
